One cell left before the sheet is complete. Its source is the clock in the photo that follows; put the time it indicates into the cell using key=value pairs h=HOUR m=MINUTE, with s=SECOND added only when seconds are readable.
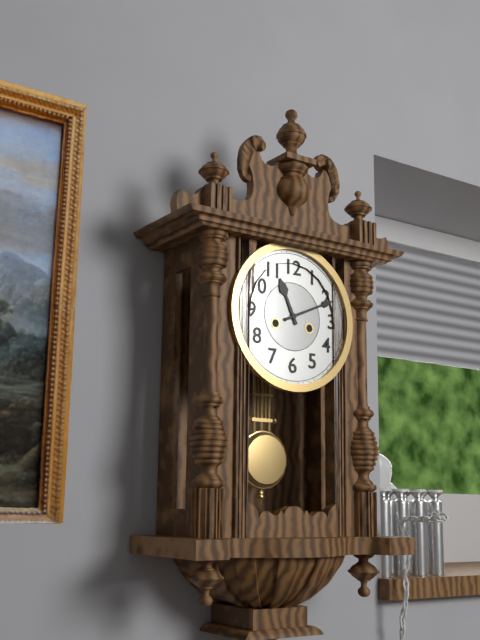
h=11 m=11
